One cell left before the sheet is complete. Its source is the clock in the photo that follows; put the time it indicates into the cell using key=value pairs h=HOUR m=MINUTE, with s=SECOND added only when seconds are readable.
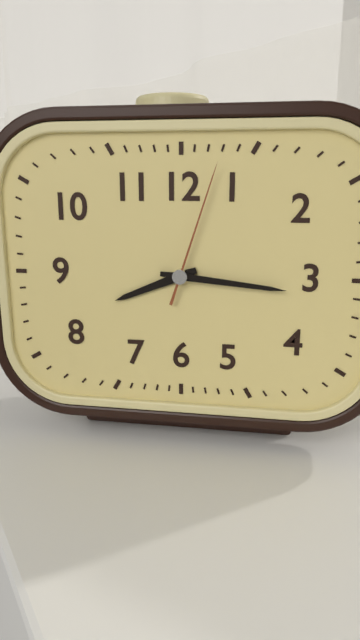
h=8 m=16 s=3
